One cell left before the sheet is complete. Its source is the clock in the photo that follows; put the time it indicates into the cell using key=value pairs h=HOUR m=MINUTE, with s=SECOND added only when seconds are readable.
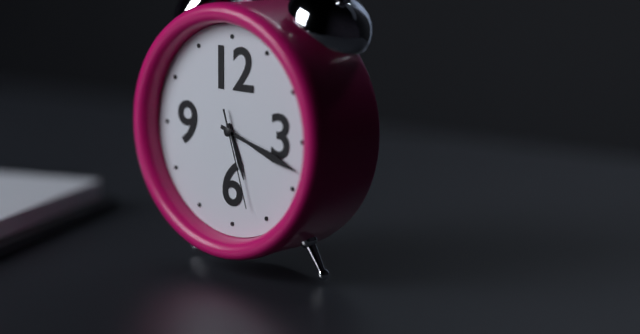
h=5 m=18 s=27
